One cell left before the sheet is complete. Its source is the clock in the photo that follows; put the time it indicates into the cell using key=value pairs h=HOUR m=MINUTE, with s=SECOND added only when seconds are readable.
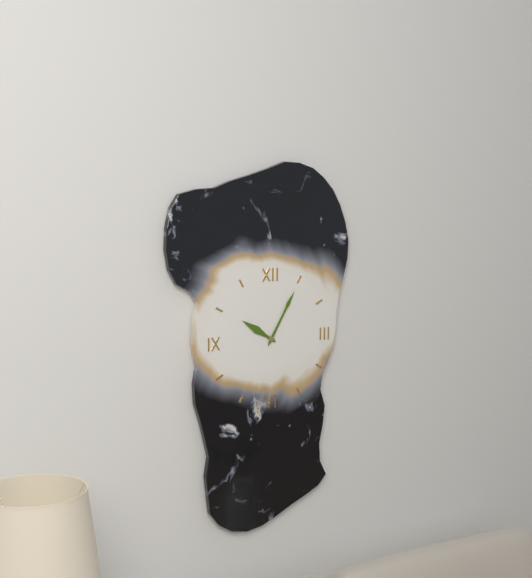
h=10 m=5
